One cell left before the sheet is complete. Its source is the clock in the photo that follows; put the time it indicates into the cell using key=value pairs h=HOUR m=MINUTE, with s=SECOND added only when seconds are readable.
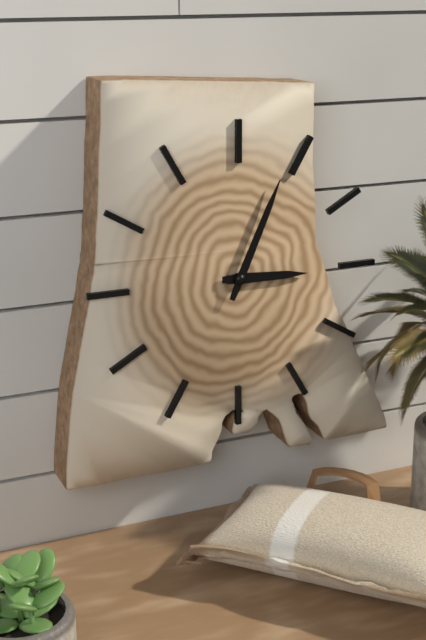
h=3 m=4
